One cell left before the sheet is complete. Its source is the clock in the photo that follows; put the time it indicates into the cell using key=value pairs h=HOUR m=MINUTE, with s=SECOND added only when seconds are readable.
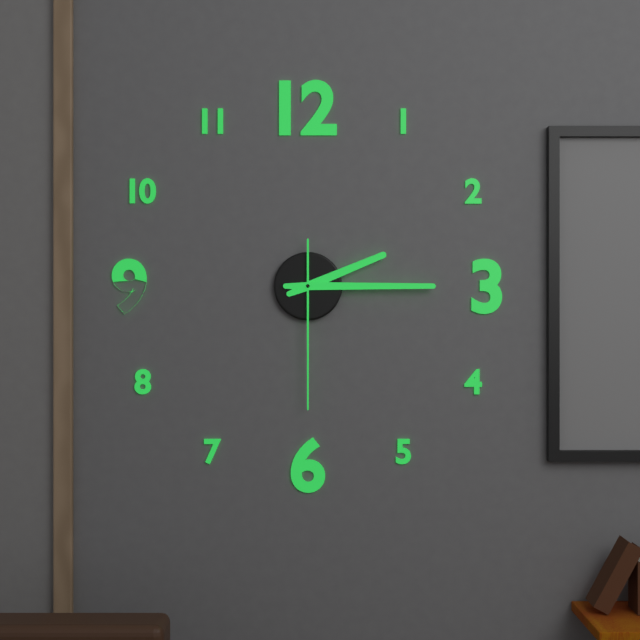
h=2 m=15 s=30
